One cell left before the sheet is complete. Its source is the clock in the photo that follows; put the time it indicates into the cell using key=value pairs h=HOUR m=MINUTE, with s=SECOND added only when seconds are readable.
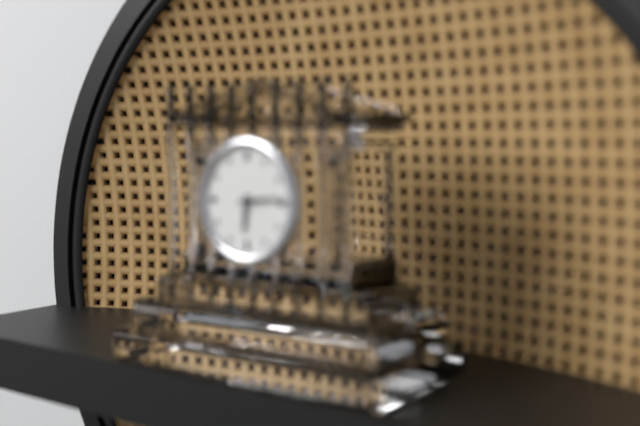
h=6 m=14
